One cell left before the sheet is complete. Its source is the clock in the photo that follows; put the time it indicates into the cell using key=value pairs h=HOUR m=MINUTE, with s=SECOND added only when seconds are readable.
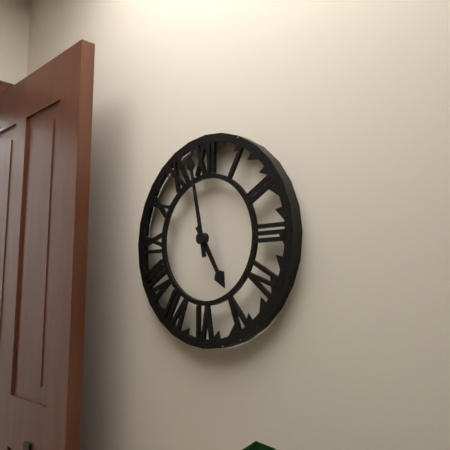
h=4 m=58
